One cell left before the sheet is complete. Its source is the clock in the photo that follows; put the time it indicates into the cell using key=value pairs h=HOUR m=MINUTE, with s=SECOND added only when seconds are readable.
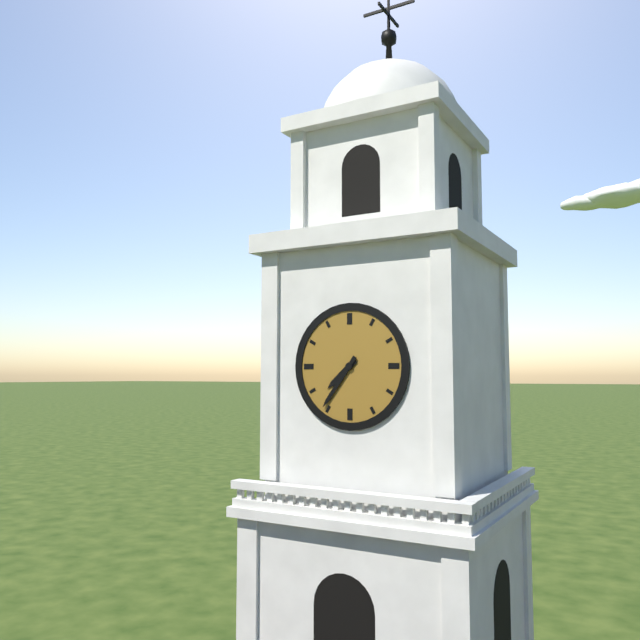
h=7 m=36
